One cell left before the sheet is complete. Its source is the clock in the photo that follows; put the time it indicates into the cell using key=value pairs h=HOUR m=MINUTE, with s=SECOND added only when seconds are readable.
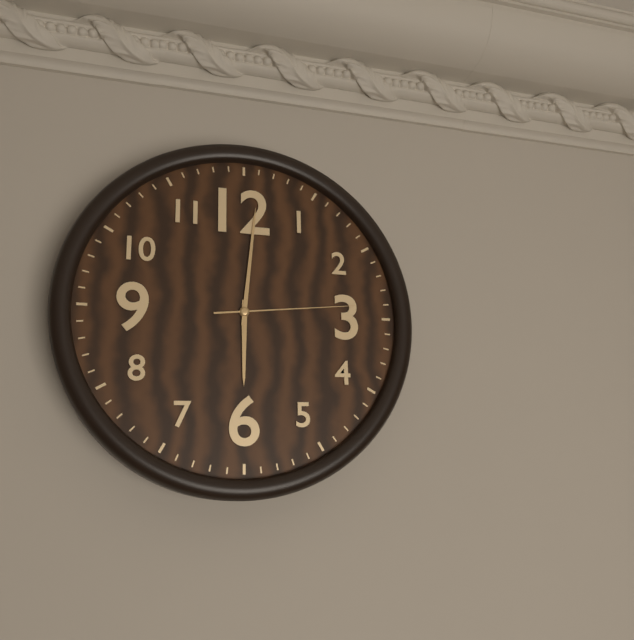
h=6 m=1 s=14
